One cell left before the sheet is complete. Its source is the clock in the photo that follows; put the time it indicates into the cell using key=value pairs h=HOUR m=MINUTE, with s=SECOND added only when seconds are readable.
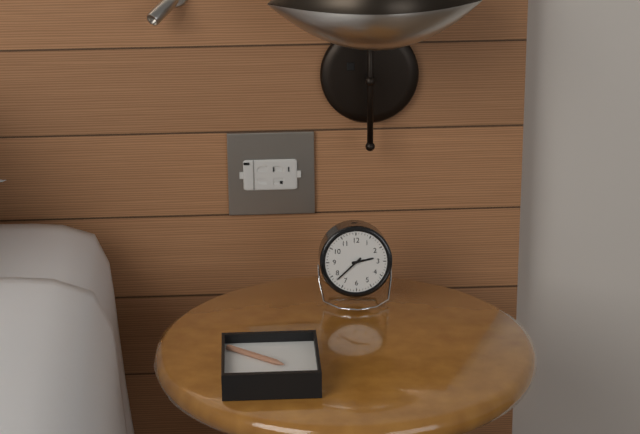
h=2 m=38
